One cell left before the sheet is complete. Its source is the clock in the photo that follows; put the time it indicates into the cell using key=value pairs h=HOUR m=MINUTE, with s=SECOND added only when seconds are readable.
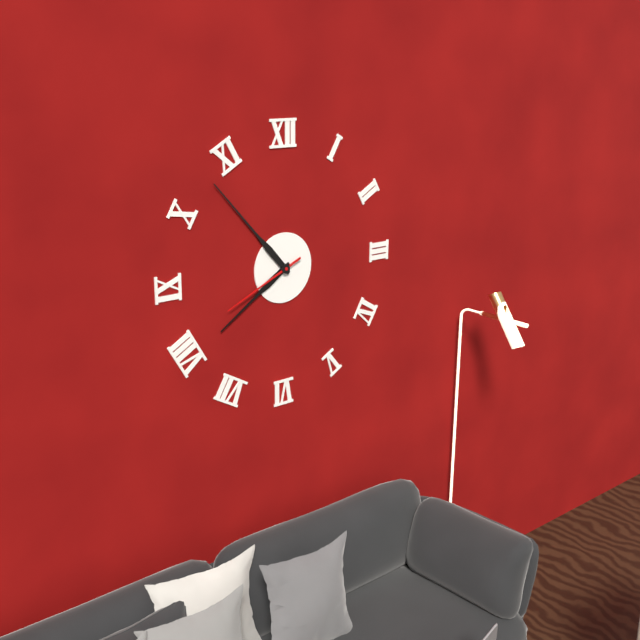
h=7 m=53 s=41
